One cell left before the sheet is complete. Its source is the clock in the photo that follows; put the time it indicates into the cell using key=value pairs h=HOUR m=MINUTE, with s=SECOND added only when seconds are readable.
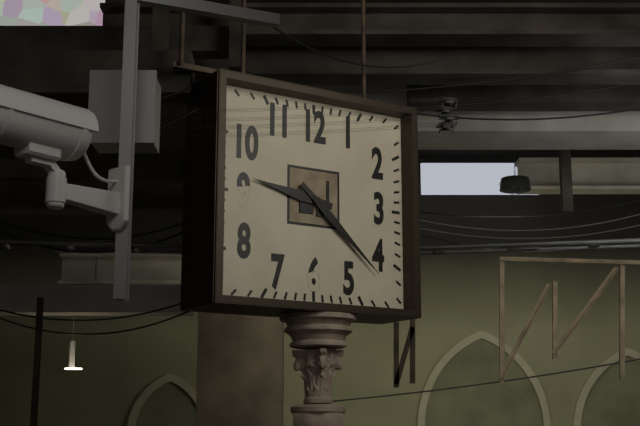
h=9 m=22
